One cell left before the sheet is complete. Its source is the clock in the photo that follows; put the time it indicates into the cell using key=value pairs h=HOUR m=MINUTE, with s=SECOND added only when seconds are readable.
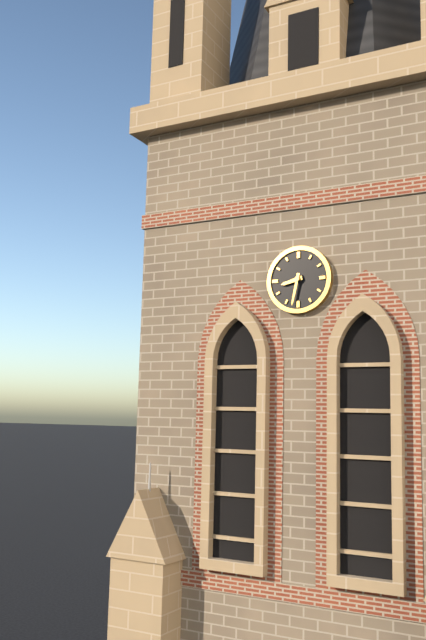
h=8 m=32
